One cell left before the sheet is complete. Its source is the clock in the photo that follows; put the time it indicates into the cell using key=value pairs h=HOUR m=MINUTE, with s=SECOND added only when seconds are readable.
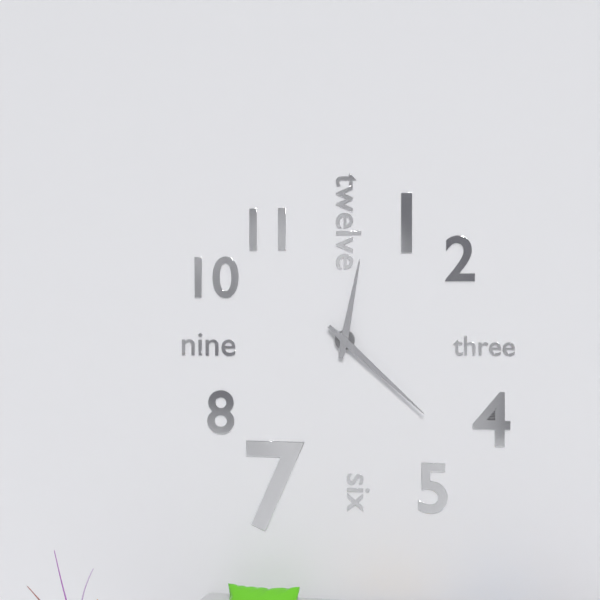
h=12 m=22
